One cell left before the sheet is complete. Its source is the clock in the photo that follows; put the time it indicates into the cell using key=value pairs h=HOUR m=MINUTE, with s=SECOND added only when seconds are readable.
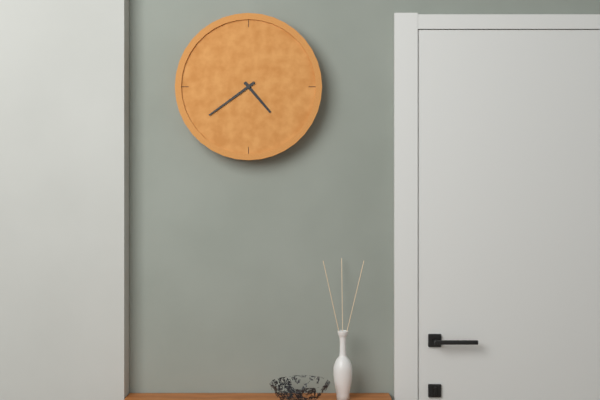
h=4 m=39
